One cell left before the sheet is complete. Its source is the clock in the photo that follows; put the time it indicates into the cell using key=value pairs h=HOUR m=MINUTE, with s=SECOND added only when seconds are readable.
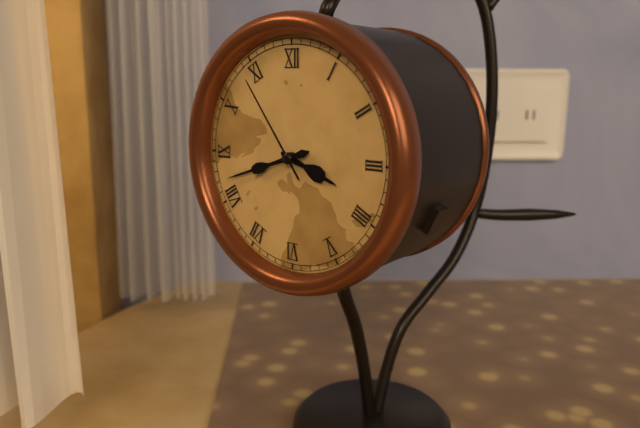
h=3 m=42 s=54
